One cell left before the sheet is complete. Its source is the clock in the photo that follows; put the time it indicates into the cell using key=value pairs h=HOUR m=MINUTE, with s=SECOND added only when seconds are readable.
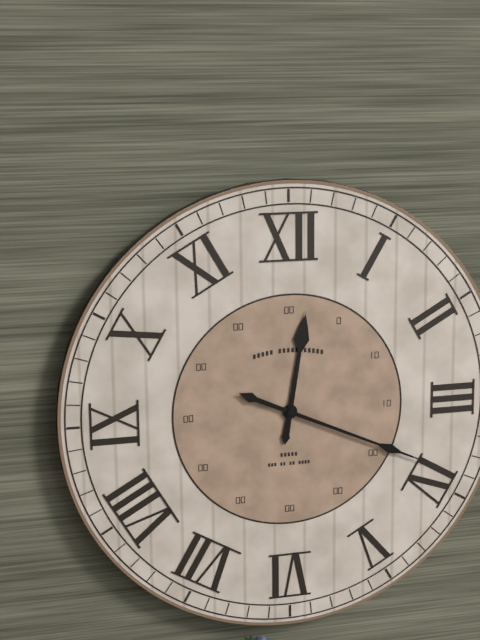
h=12 m=19
